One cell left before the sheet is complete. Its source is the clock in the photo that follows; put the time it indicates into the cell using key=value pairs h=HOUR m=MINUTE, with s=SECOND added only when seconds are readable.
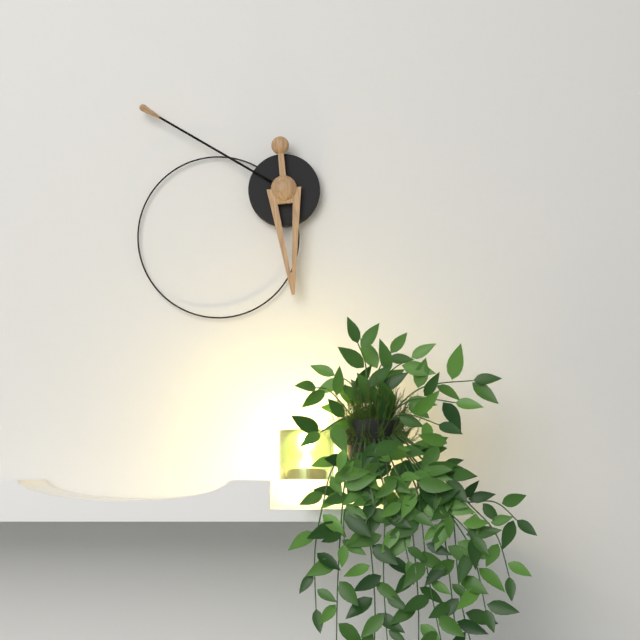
h=5 m=50
